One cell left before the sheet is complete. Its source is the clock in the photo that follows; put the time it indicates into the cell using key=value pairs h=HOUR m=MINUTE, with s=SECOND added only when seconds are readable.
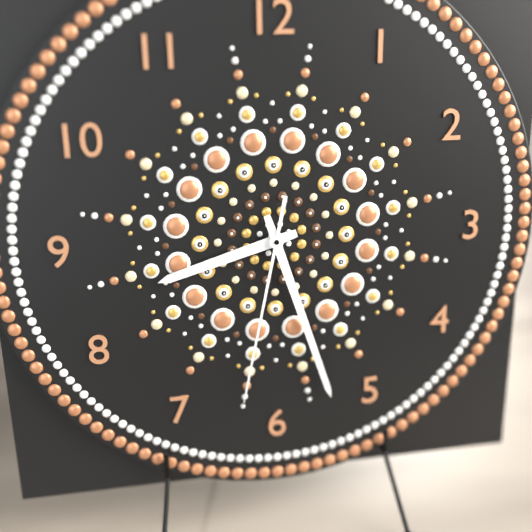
h=8 m=27 s=32
